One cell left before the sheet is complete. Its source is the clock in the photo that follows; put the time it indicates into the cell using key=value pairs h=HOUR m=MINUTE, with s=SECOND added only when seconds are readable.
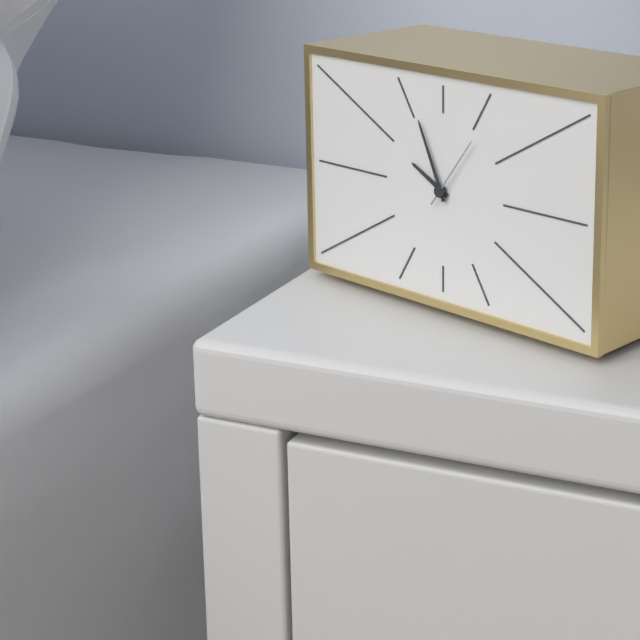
h=9 m=56 s=6
